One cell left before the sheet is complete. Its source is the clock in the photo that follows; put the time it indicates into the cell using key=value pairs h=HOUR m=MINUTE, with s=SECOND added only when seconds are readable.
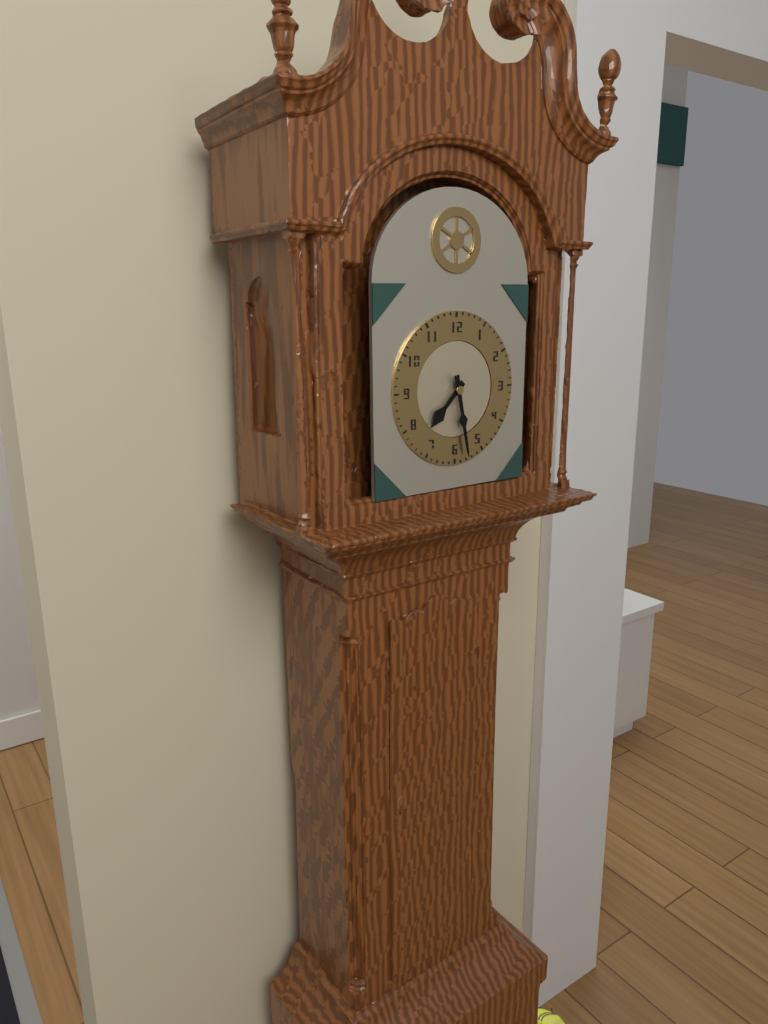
h=7 m=28
